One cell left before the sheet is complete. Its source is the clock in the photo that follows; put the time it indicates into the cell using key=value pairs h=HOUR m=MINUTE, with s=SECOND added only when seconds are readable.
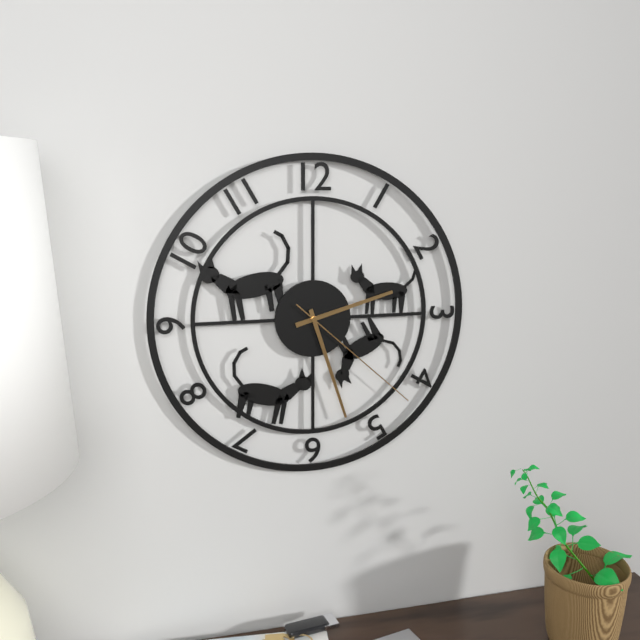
h=2 m=27 s=22
